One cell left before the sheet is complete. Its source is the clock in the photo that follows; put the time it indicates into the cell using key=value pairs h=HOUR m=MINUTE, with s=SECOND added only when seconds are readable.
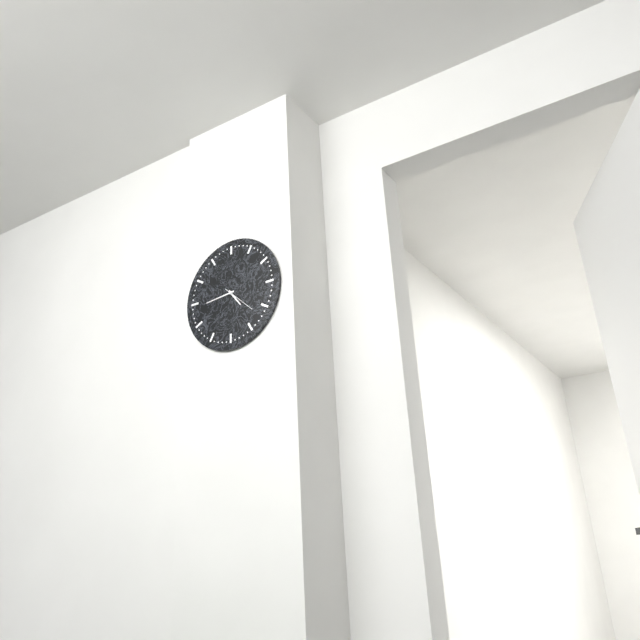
h=4 m=44
